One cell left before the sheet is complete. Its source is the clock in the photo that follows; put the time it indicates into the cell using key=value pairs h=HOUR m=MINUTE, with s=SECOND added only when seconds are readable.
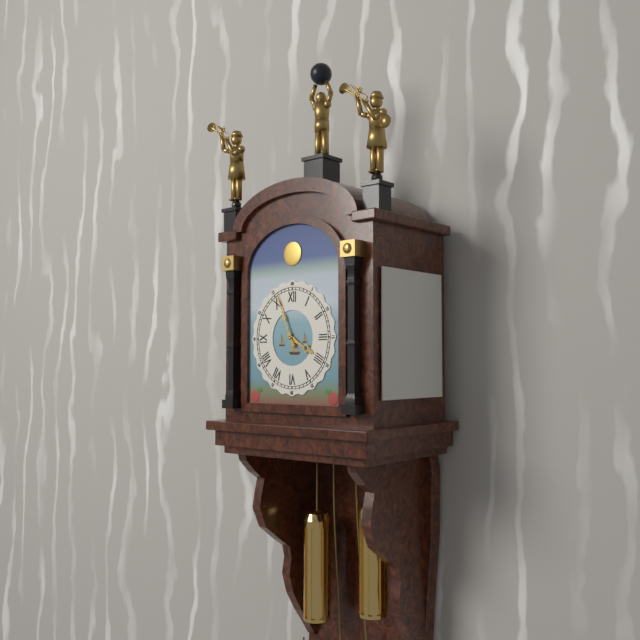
h=3 m=56
